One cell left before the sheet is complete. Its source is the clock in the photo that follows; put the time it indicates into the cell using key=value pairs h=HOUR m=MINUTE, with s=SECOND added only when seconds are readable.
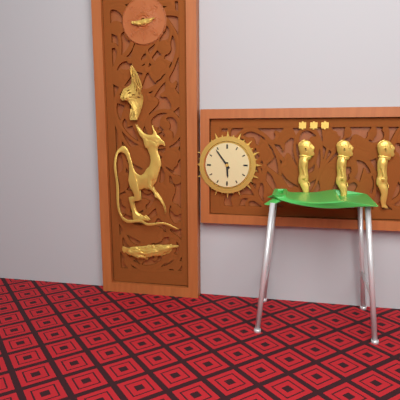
h=5 m=54
